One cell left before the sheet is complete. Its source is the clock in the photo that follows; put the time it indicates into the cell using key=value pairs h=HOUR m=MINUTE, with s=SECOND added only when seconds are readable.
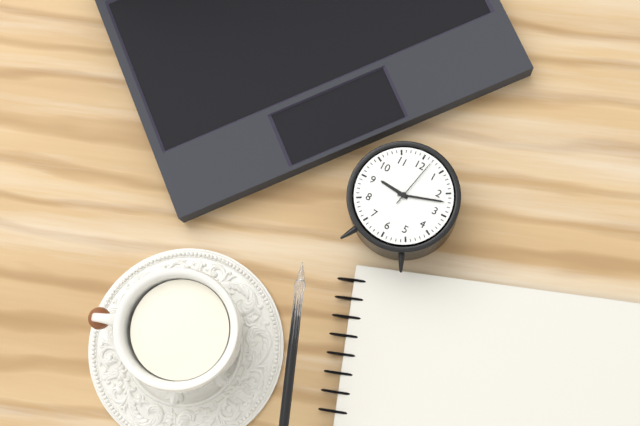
h=9 m=12 s=2
